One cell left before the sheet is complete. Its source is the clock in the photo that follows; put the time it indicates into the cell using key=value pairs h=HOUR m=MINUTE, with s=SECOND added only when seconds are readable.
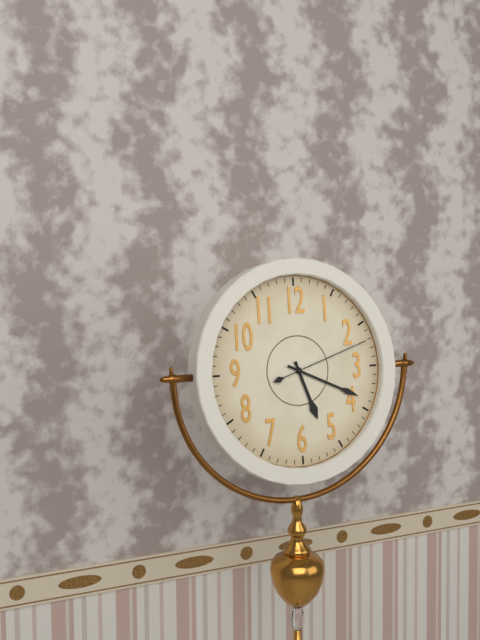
h=5 m=19 s=12
